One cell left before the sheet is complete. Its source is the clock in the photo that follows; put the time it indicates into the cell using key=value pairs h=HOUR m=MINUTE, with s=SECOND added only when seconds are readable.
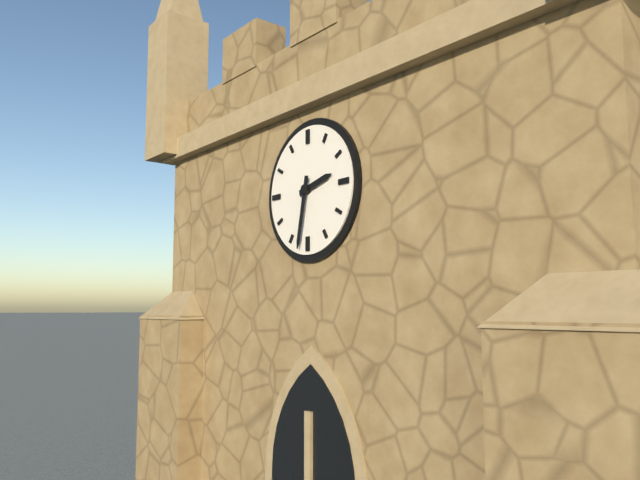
h=2 m=32
